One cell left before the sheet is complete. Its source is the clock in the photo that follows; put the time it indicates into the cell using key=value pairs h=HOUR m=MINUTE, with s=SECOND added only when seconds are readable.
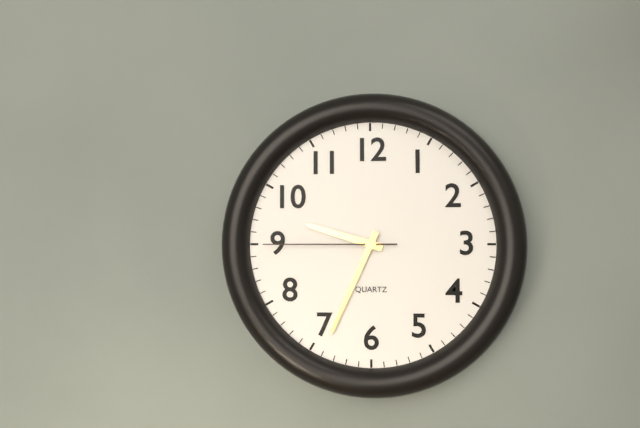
h=9 m=34 s=45
